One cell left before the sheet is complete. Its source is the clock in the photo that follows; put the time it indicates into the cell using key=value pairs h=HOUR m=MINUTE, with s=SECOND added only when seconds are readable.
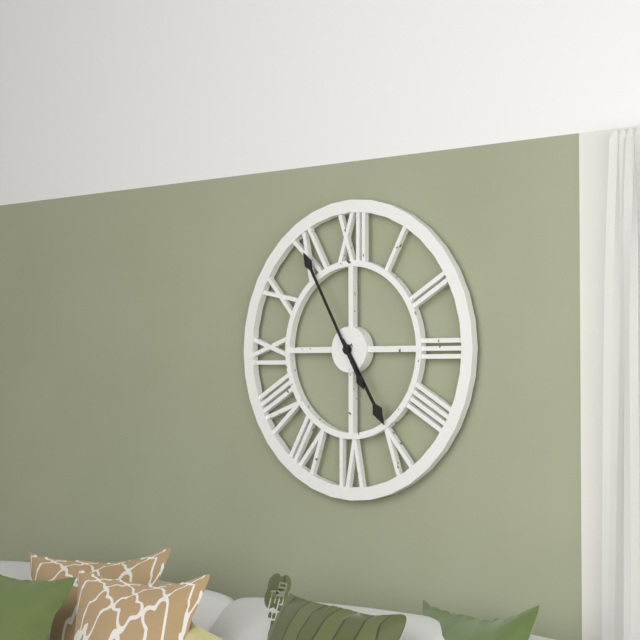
h=4 m=55
